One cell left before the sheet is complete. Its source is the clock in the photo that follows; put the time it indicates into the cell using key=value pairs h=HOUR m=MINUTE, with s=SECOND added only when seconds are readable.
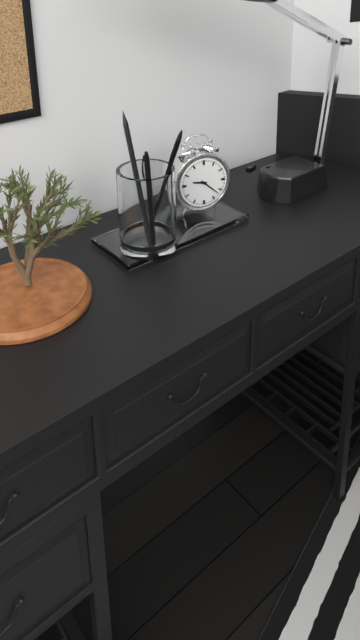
h=9 m=22
